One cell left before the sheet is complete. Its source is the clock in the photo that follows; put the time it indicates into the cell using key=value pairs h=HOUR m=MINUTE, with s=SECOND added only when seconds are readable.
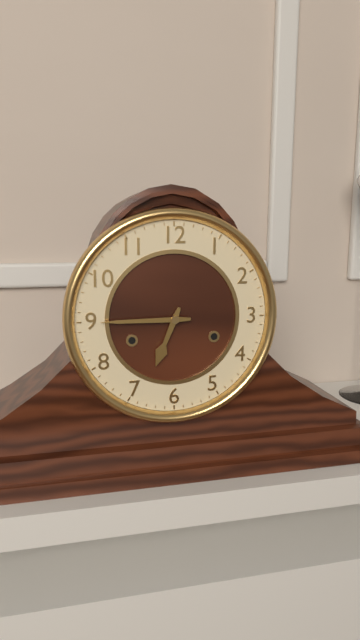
h=6 m=45
